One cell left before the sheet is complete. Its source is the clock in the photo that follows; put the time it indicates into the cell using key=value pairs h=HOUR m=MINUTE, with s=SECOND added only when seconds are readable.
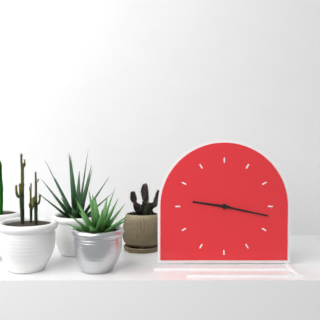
h=9 m=17
